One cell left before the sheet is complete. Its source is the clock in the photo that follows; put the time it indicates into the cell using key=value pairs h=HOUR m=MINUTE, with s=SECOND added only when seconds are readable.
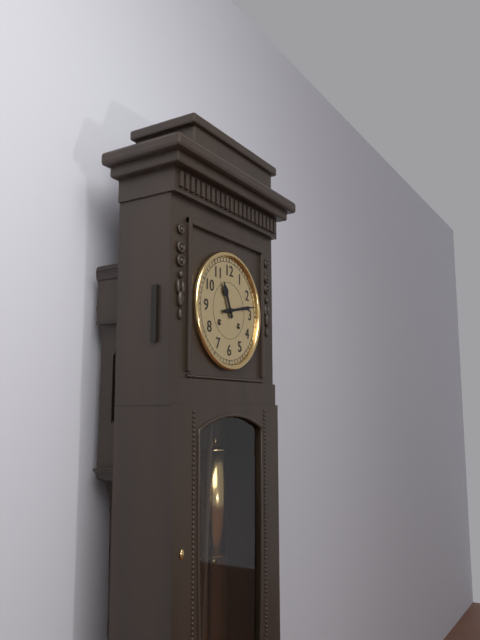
h=11 m=13
